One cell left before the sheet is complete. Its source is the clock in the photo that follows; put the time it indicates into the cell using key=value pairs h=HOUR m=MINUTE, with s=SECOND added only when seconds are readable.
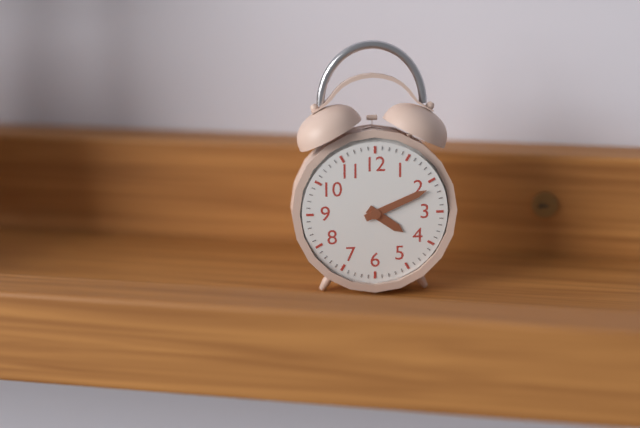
h=4 m=11
